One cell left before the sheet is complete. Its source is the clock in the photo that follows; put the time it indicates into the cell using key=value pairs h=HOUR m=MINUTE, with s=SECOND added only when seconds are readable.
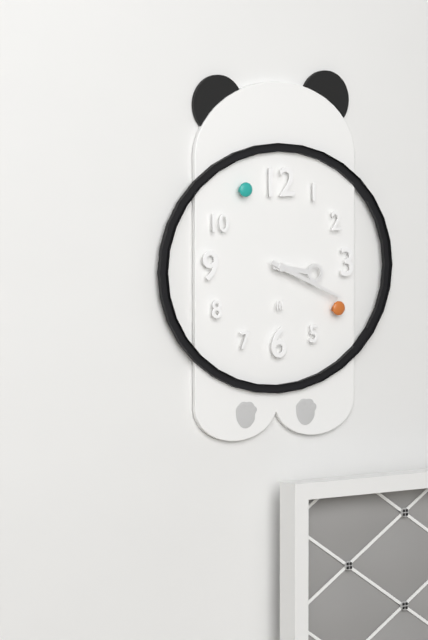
h=3 m=19
